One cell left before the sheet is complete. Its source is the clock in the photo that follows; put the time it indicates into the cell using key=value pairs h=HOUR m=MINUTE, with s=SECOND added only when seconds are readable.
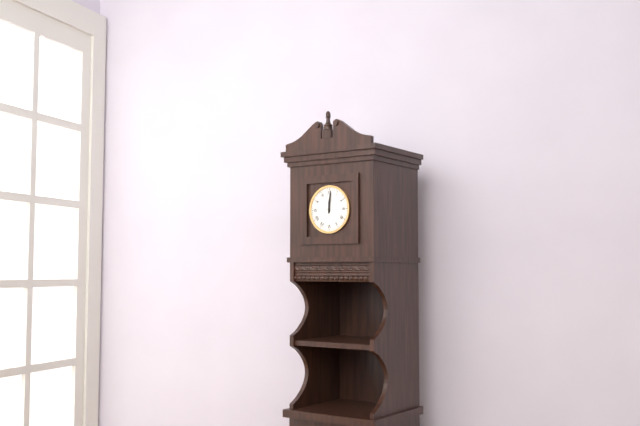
h=12 m=1
